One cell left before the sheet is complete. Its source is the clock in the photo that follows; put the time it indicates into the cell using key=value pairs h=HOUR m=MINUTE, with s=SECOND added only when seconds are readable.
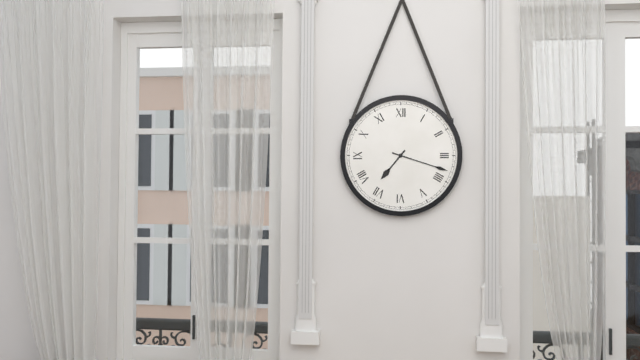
h=7 m=18
